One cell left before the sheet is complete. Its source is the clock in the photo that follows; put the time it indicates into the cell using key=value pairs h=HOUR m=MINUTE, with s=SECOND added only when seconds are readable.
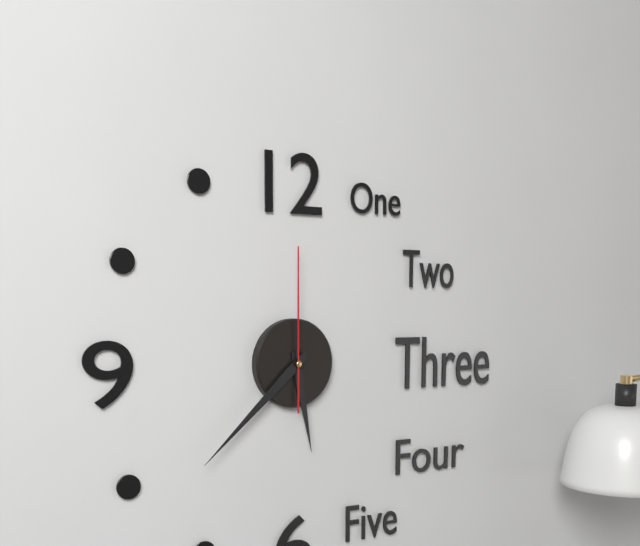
h=5 m=38 s=0
